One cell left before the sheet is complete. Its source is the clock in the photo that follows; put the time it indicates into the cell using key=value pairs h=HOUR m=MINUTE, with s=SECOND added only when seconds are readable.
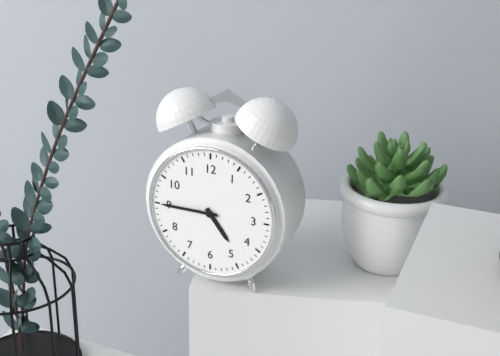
h=4 m=45
